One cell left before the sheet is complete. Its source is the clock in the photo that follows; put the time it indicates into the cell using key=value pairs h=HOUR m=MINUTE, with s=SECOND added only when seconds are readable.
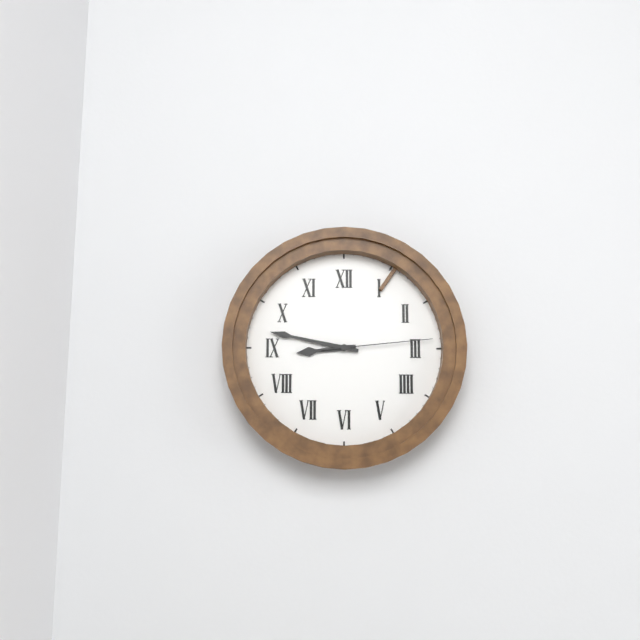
h=8 m=47 s=14
